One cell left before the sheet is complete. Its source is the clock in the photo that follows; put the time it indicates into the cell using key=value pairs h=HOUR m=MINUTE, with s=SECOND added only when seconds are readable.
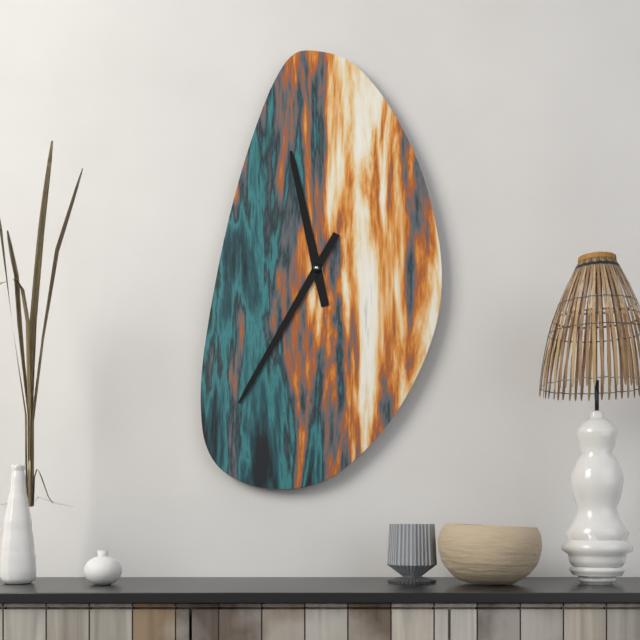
h=11 m=35
